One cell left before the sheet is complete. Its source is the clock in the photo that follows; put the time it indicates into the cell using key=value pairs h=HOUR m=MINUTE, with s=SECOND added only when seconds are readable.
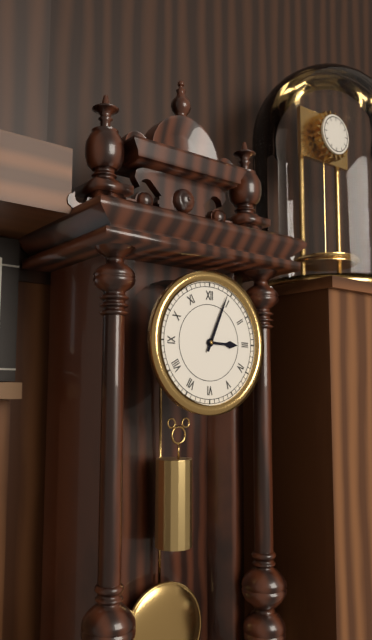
h=3 m=4
